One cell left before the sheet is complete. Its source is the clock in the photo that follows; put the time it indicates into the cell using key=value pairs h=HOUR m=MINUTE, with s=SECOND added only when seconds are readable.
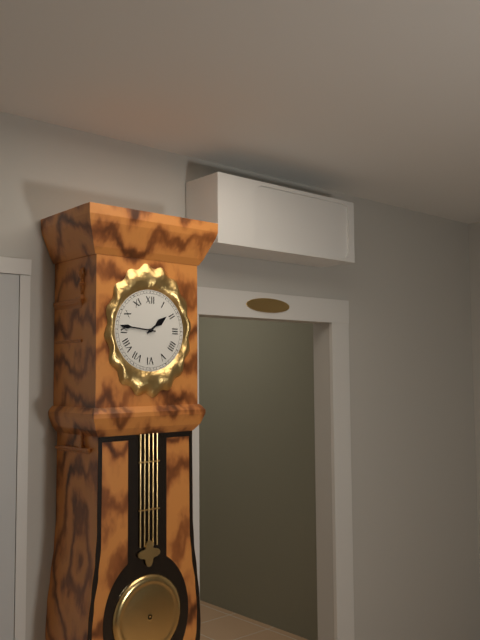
h=1 m=46
